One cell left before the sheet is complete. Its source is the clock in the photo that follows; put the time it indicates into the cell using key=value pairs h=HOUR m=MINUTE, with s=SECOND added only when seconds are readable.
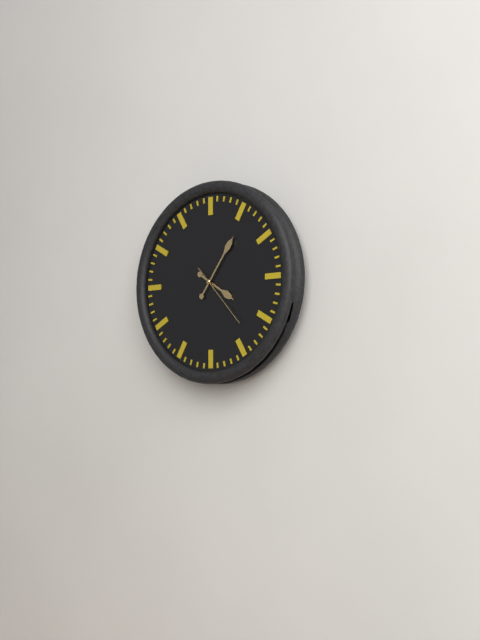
h=4 m=6 s=23
